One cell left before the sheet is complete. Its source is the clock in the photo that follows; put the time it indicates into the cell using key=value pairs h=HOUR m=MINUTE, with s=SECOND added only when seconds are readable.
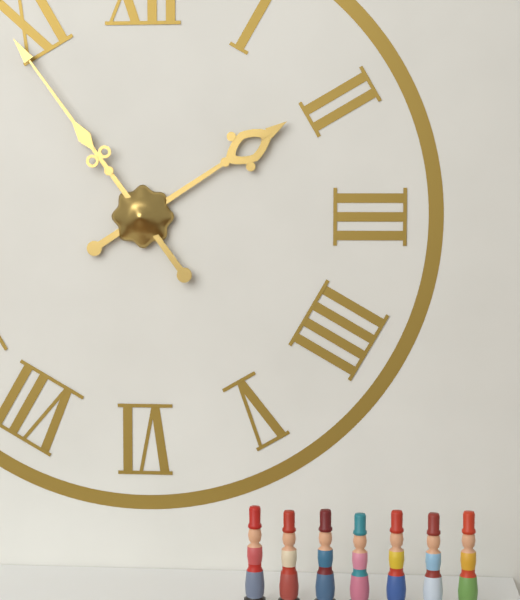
h=1 m=54
